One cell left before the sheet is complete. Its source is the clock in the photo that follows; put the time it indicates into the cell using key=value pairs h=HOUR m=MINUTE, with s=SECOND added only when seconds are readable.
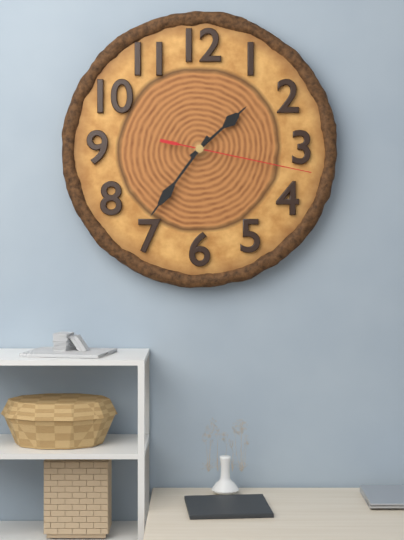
h=1 m=36 s=17
